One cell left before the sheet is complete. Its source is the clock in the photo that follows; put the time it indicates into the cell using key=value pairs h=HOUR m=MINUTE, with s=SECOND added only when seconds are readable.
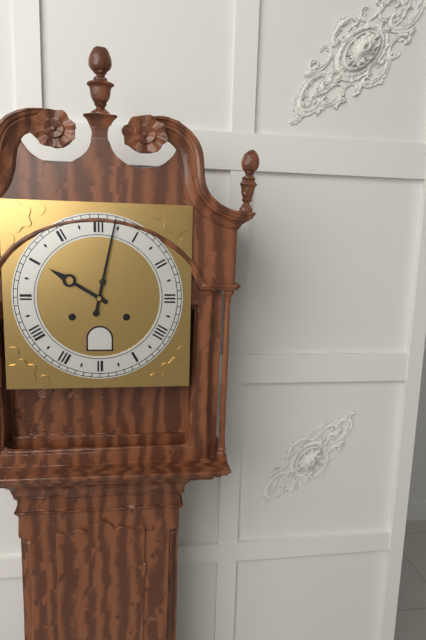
h=10 m=2
